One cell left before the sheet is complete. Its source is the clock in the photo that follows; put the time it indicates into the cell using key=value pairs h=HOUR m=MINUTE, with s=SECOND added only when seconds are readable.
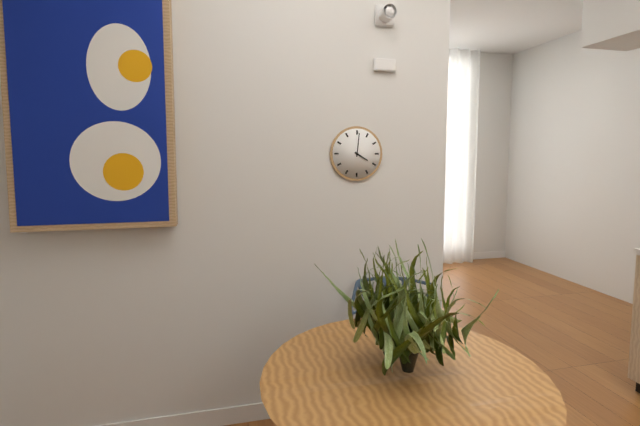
h=4 m=1
